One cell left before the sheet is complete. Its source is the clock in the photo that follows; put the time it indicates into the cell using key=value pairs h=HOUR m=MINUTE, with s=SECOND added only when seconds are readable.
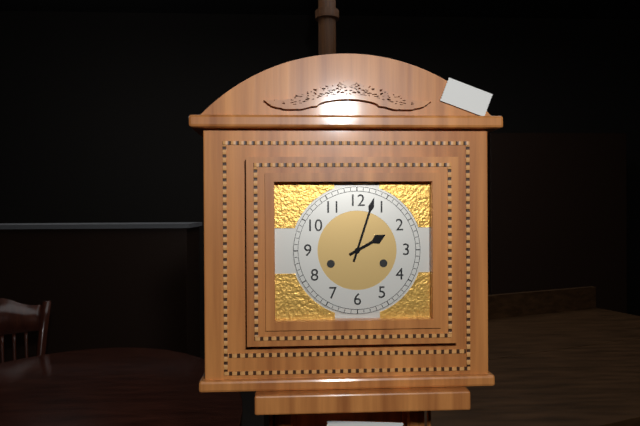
h=2 m=3
